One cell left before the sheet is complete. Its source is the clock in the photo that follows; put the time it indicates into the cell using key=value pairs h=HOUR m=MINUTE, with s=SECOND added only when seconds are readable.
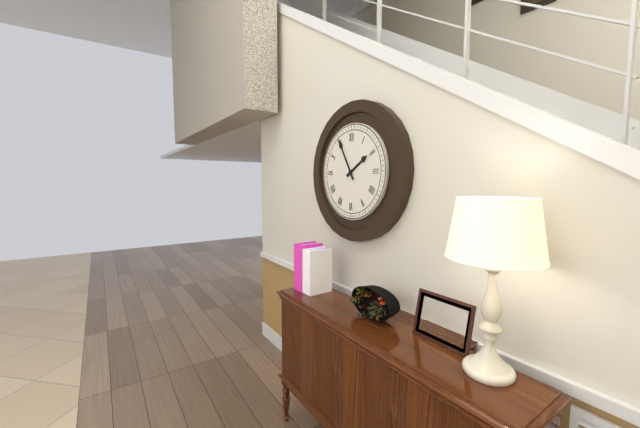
h=1 m=55
